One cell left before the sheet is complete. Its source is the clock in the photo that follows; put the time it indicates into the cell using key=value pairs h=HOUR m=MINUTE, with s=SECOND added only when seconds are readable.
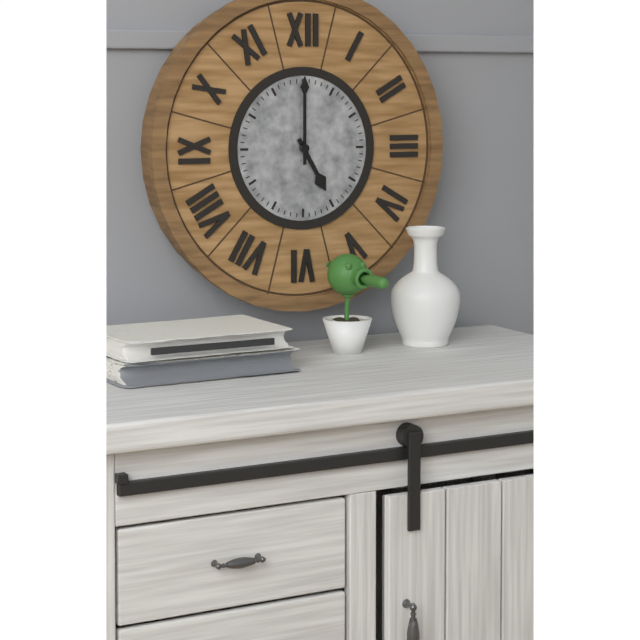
h=5 m=0
